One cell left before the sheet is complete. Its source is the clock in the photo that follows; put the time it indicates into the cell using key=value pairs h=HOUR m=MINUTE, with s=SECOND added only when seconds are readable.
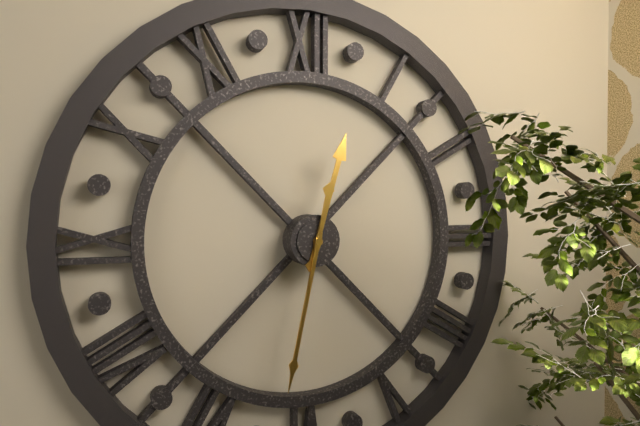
h=12 m=32
